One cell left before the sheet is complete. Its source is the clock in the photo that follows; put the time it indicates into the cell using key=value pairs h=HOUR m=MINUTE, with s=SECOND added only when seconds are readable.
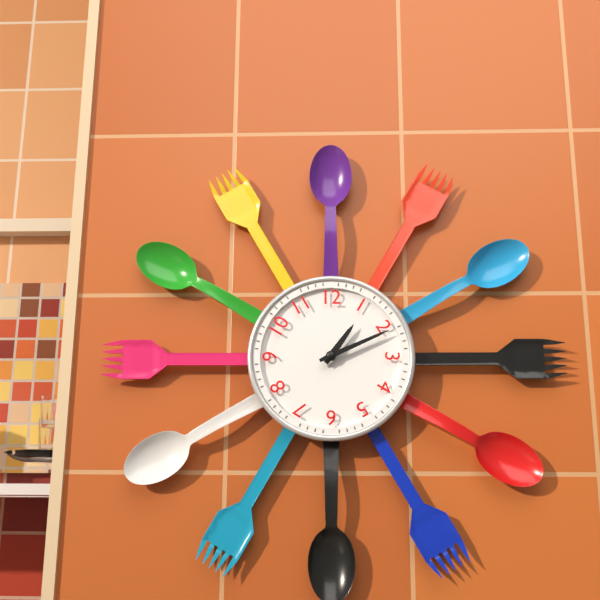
h=1 m=11
